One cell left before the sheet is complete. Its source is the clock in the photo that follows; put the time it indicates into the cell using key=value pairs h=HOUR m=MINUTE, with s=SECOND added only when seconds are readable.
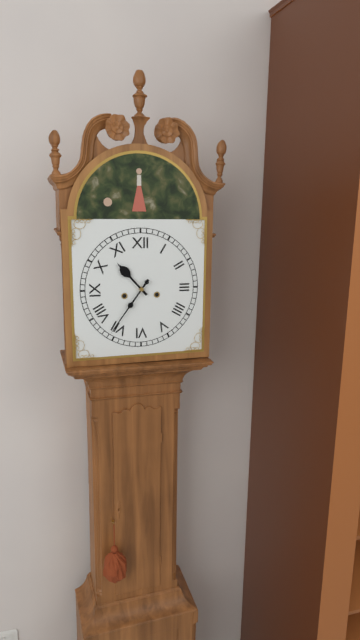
h=10 m=36
